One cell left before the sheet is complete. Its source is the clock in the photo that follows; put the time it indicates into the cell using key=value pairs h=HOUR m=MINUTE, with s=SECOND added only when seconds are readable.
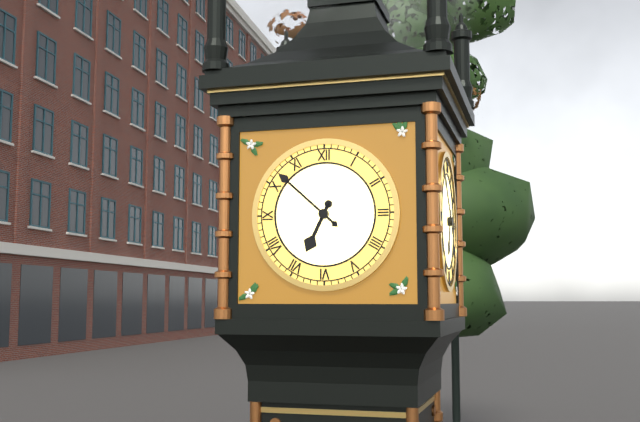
h=6 m=52
